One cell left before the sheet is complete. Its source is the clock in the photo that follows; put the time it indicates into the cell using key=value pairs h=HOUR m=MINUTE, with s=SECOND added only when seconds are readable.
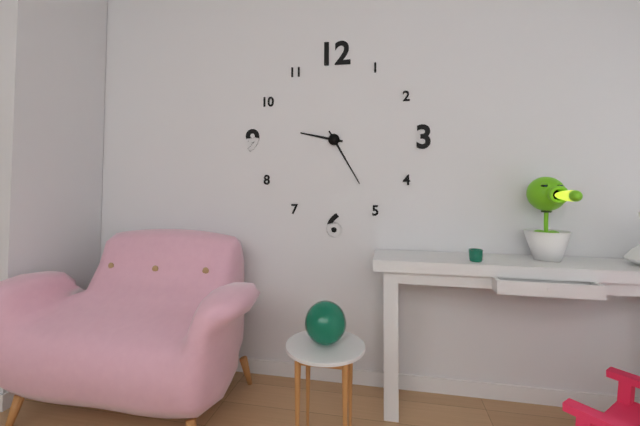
h=9 m=25
